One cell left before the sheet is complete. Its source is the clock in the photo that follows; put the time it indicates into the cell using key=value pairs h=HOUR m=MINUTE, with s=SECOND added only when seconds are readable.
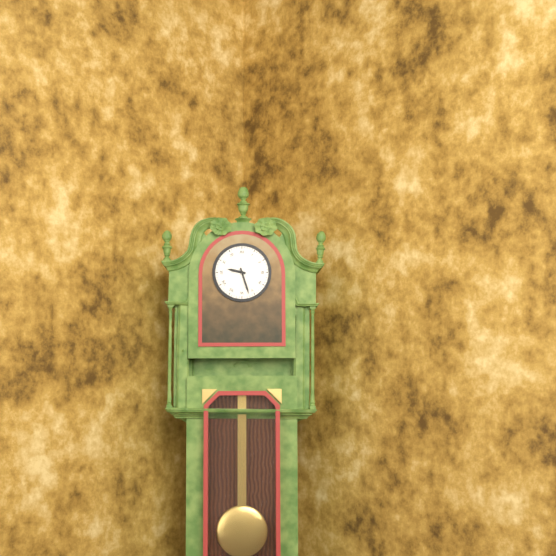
h=9 m=27
